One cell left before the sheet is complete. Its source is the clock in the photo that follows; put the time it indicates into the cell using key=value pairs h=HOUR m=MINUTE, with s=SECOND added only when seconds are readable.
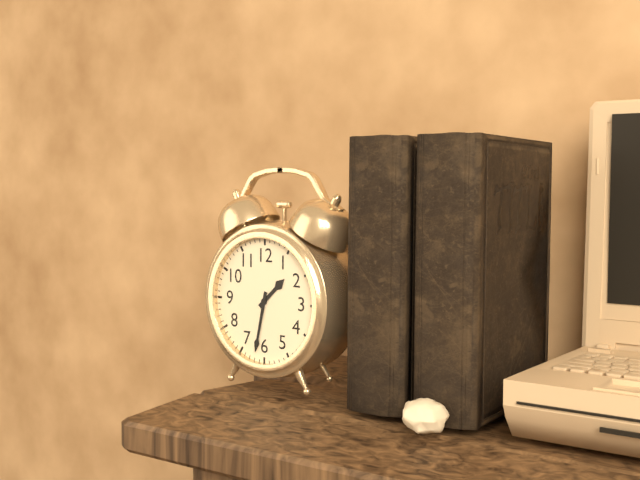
h=1 m=32
